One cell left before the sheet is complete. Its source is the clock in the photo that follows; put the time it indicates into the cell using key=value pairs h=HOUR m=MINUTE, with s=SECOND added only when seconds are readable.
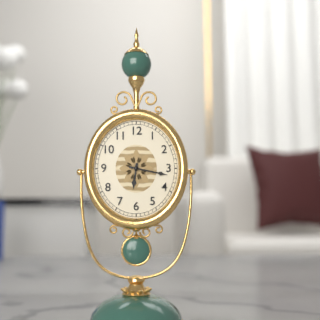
h=6 m=17
